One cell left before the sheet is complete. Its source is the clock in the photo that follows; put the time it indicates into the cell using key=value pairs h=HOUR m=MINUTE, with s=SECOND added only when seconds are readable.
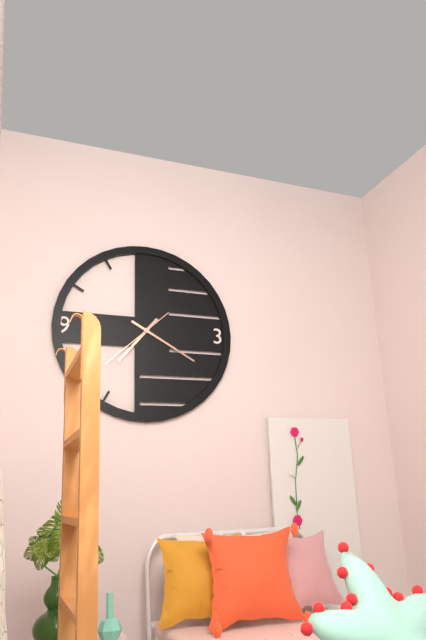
h=7 m=20 s=38
